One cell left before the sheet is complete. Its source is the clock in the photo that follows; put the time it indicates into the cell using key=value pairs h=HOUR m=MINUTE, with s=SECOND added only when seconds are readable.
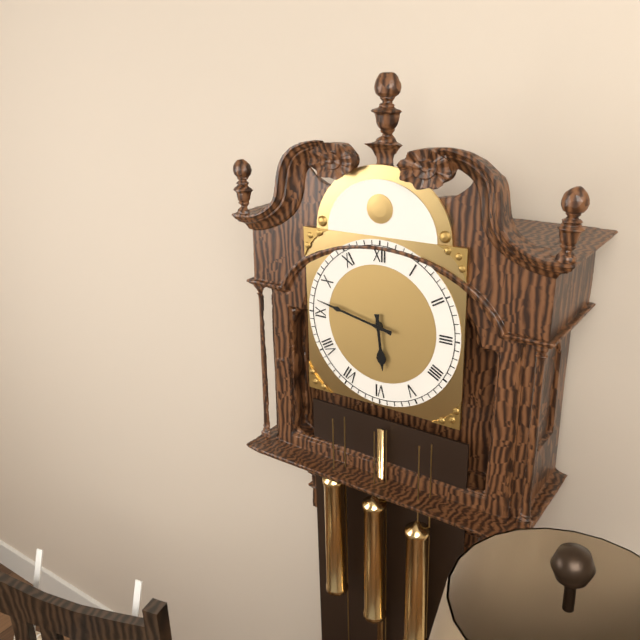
h=5 m=47
